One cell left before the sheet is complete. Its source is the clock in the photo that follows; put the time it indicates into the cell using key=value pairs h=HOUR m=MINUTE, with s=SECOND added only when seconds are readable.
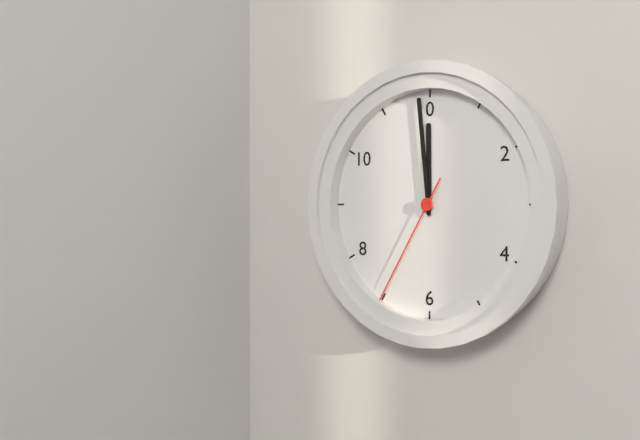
h=11 m=59 s=35
